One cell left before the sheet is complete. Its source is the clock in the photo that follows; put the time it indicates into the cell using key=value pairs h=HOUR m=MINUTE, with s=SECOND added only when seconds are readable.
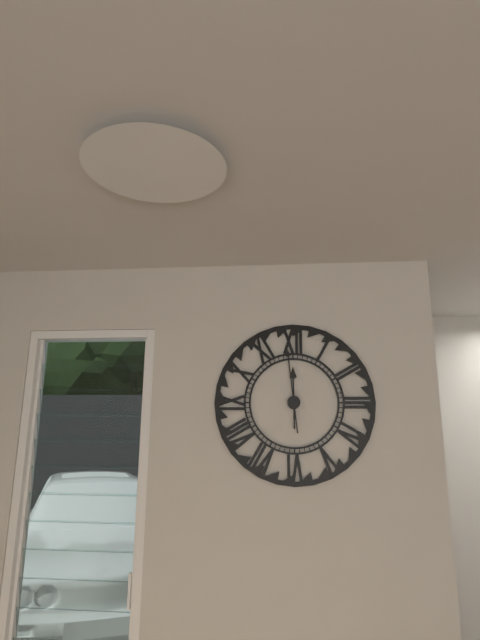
h=11 m=59
